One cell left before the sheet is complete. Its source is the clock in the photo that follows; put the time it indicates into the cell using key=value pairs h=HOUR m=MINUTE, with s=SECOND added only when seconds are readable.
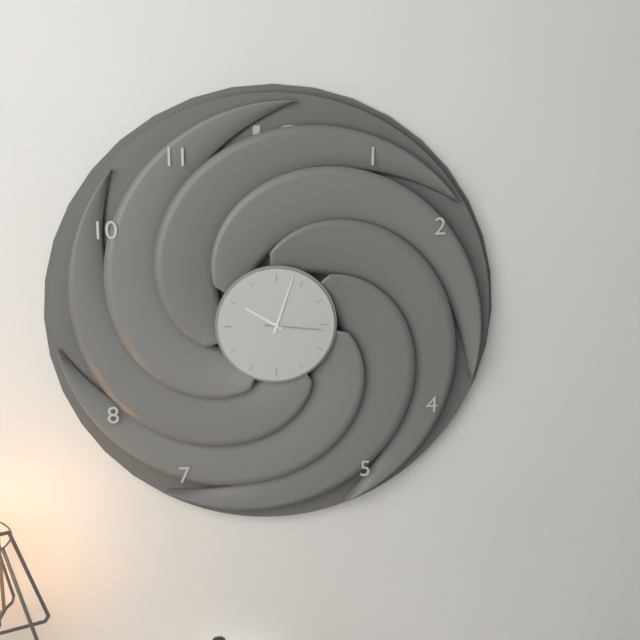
h=10 m=3 s=16
